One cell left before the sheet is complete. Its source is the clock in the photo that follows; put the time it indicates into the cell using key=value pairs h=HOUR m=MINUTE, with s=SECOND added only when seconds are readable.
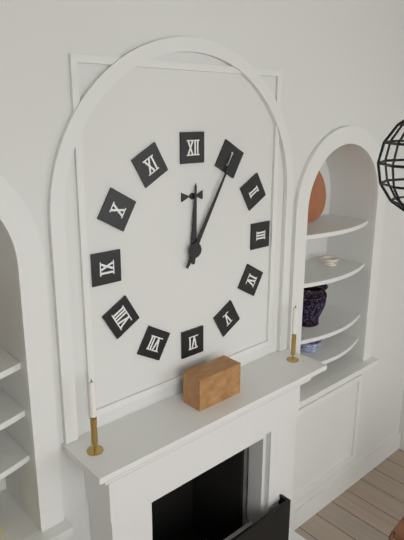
h=12 m=5
